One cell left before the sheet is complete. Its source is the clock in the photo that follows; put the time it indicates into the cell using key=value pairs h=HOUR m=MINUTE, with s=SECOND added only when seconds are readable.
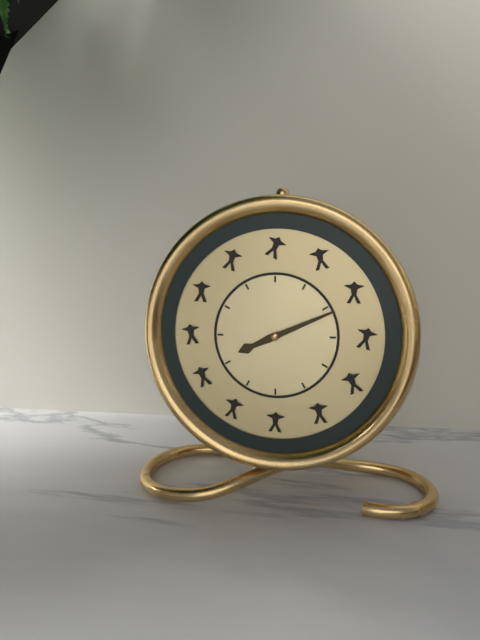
h=8 m=11
